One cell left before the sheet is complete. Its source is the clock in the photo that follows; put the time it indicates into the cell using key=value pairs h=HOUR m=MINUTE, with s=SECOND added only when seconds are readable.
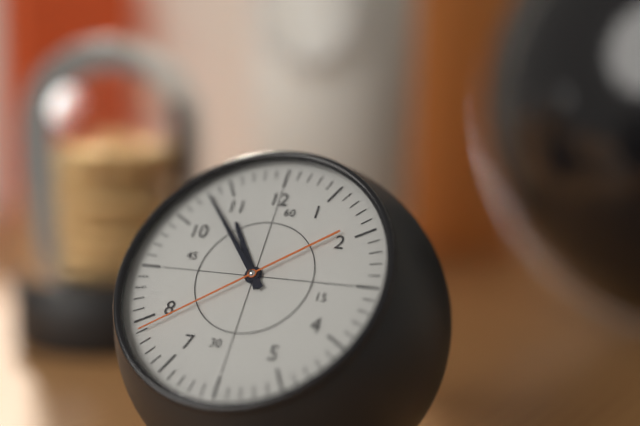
h=10 m=53 s=39
